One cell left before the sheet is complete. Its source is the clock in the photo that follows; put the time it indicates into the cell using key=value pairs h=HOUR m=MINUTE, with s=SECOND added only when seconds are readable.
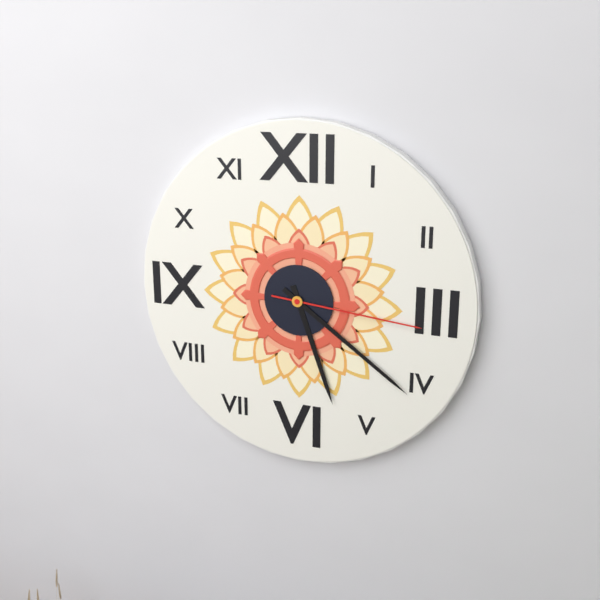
h=5 m=21 s=16
